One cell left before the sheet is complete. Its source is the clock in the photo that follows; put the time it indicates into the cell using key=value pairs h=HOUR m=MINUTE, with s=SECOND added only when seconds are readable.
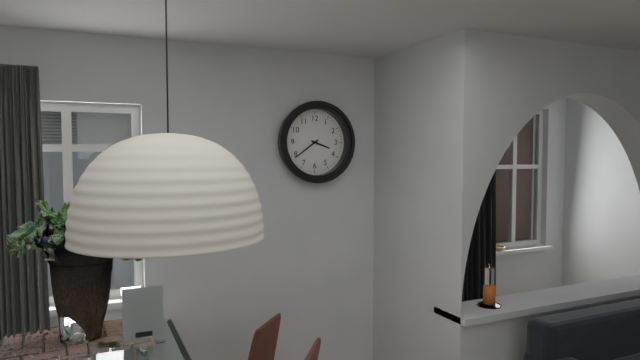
h=3 m=39
